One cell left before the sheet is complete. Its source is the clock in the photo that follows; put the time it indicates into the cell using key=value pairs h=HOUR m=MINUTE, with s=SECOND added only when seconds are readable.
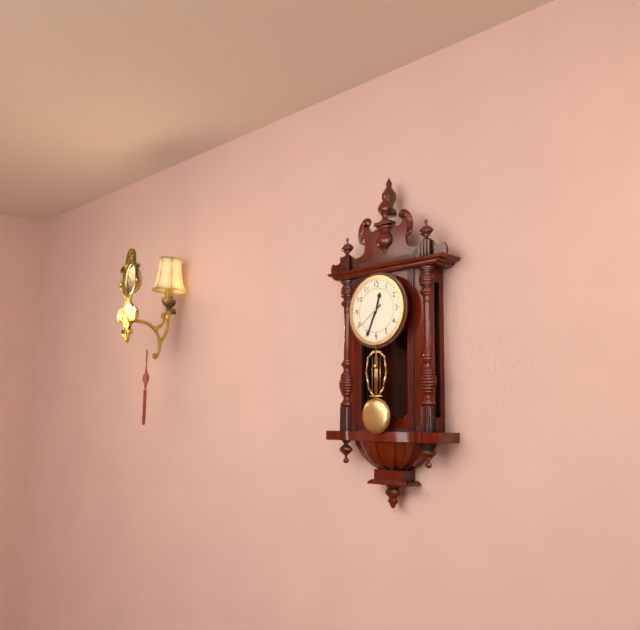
h=12 m=34
